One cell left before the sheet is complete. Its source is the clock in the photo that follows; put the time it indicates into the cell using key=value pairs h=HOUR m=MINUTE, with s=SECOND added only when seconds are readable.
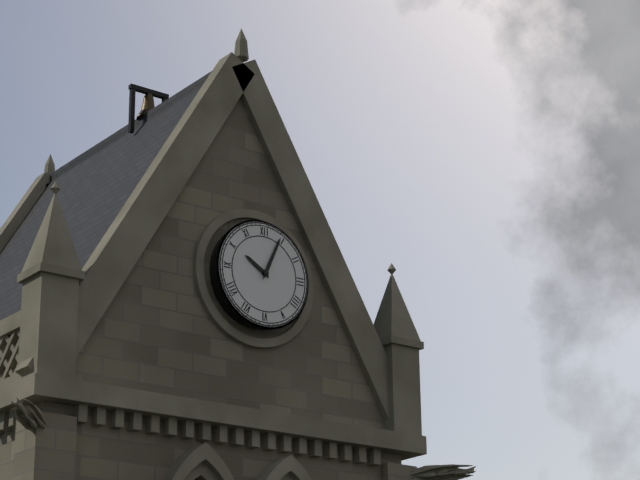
h=10 m=4
